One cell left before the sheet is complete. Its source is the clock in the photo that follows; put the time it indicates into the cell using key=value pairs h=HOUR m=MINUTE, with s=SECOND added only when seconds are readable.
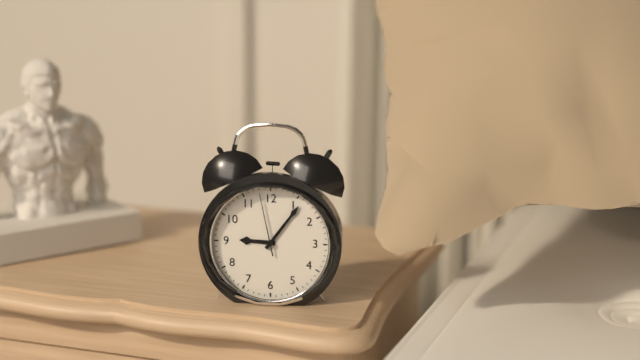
h=9 m=6 s=58
